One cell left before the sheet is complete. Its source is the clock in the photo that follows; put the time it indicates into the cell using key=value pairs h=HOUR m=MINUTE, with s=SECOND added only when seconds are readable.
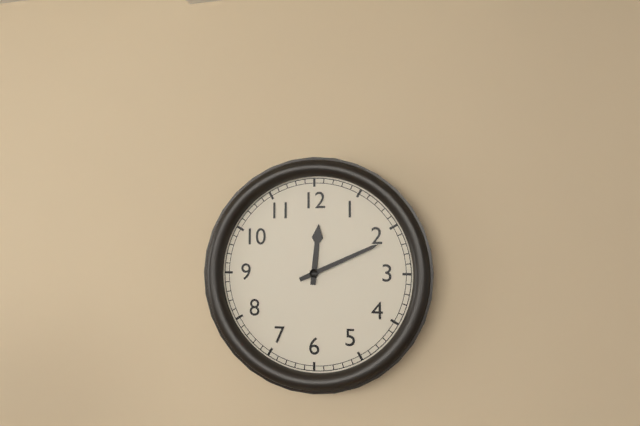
h=12 m=11
